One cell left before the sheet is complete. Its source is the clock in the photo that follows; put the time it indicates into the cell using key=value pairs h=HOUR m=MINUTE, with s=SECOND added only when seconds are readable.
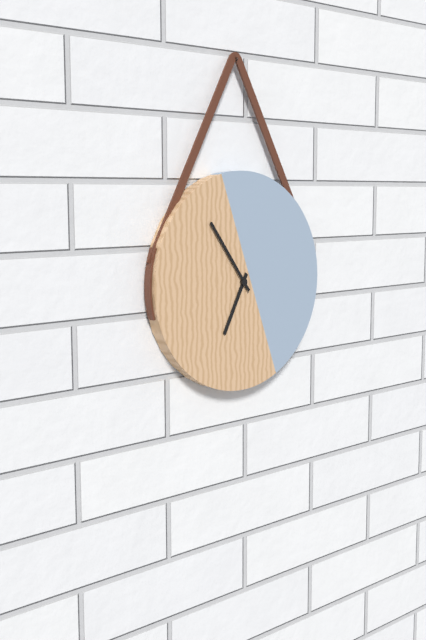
h=6 m=54
